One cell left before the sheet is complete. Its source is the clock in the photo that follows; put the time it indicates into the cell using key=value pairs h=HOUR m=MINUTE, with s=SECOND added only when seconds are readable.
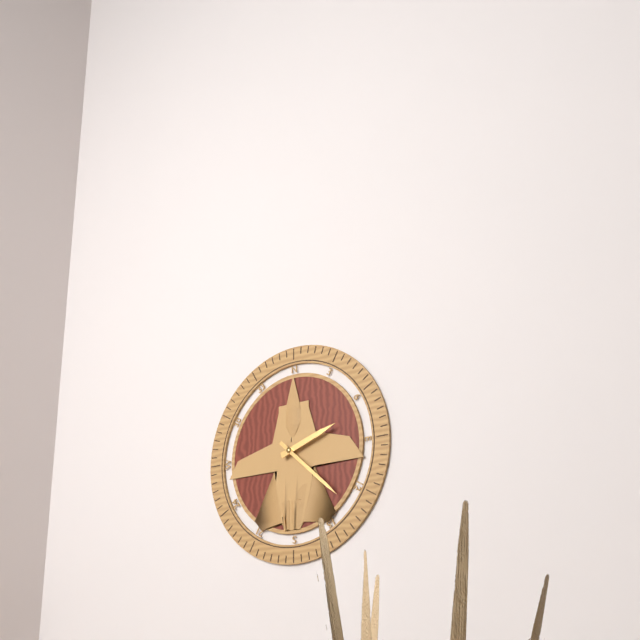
h=2 m=22
